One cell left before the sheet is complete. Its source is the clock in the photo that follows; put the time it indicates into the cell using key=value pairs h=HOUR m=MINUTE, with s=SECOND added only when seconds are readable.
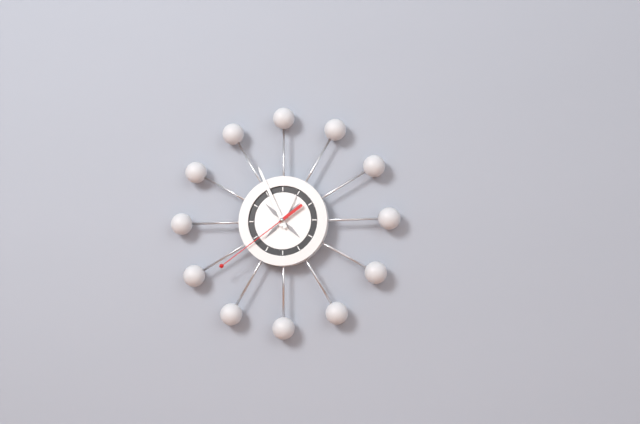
h=12 m=56 s=39
